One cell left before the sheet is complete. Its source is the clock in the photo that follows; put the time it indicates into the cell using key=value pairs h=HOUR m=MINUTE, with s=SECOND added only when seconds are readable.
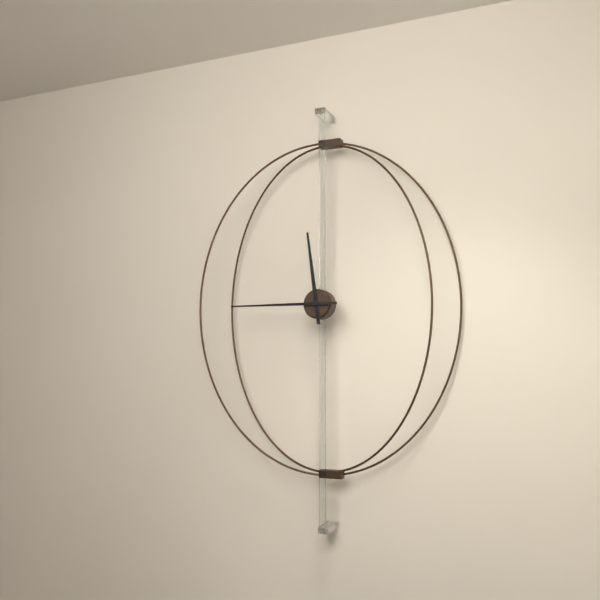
h=11 m=45
